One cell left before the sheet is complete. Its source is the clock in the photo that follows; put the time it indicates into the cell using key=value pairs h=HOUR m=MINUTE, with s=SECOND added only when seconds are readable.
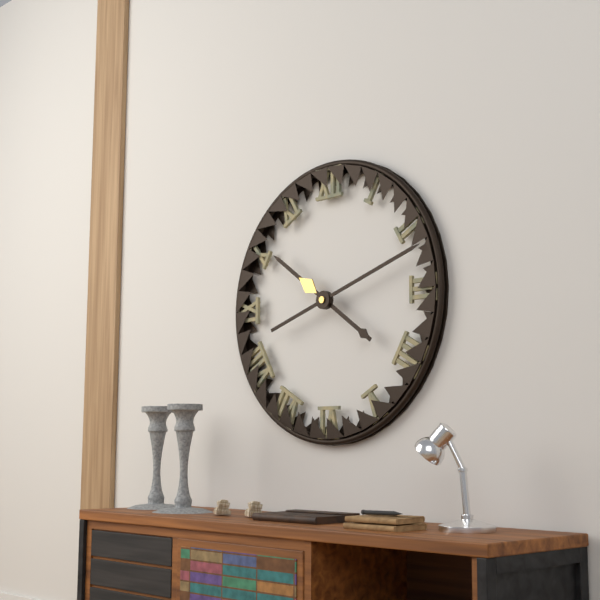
h=10 m=12
